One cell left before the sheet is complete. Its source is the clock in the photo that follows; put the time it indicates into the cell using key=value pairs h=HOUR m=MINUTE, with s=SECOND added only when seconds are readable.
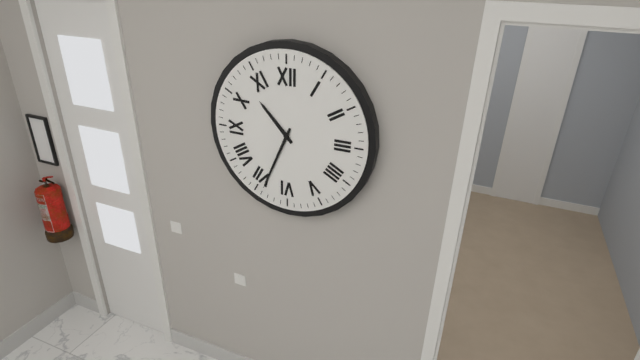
h=10 m=34
